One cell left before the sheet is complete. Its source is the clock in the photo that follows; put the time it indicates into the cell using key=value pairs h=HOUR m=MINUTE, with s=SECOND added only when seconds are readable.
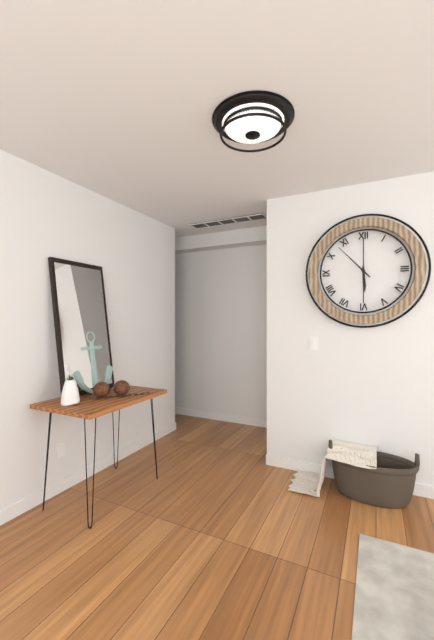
h=5 m=53
